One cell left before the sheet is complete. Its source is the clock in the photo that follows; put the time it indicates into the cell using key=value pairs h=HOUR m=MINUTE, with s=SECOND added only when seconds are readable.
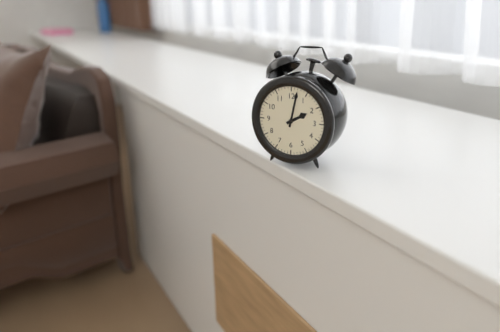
h=2 m=2
